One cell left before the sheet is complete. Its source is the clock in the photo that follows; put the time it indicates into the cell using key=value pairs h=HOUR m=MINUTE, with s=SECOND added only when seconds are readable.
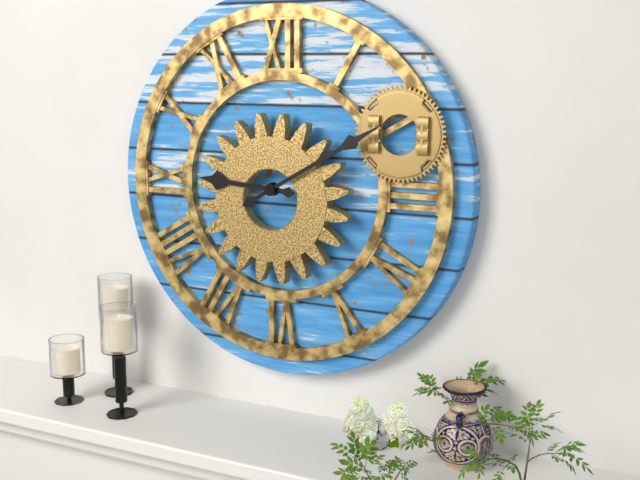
h=9 m=10
